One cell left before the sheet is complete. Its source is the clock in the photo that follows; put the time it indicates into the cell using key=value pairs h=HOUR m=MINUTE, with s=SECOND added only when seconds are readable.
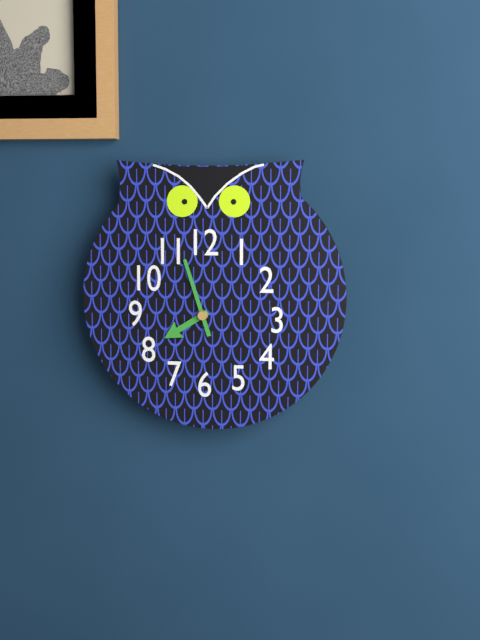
h=7 m=57
